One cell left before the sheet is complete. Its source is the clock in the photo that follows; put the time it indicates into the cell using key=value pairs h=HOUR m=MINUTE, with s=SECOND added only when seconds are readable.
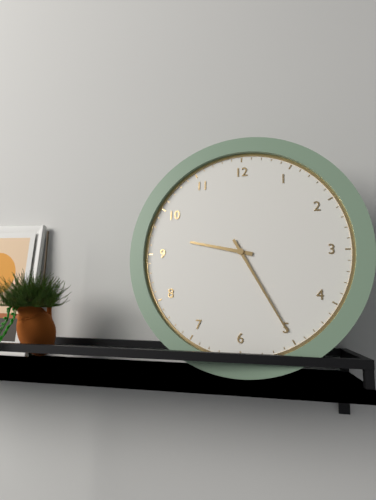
h=9 m=25
